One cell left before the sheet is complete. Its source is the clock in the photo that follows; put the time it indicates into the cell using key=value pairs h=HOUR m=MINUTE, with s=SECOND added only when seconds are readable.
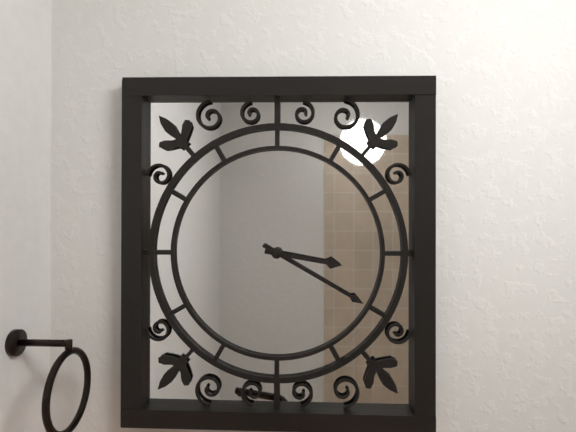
h=3 m=20
